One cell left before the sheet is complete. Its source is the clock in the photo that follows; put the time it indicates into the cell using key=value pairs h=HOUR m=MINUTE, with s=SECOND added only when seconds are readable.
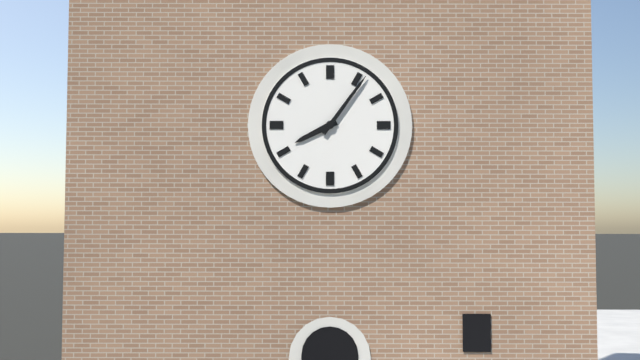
h=8 m=6
